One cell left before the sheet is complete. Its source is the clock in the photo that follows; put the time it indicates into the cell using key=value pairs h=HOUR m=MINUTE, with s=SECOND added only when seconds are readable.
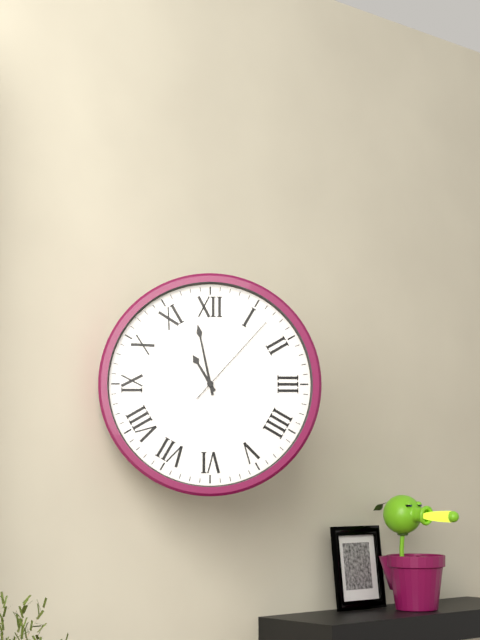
h=10 m=58 s=7
